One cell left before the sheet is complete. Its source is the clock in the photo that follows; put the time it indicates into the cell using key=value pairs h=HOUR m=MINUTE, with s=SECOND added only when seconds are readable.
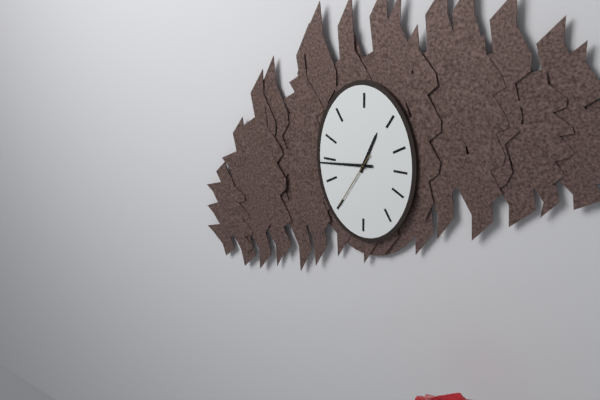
h=12 m=44 s=35
